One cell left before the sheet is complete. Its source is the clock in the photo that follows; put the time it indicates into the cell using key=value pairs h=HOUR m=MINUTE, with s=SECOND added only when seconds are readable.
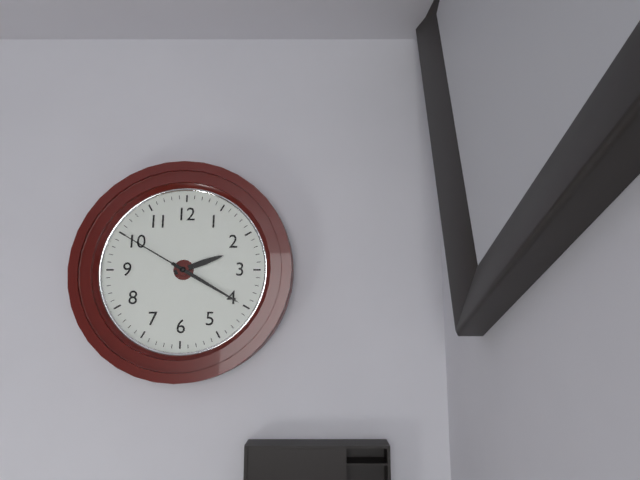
h=2 m=20 s=50
